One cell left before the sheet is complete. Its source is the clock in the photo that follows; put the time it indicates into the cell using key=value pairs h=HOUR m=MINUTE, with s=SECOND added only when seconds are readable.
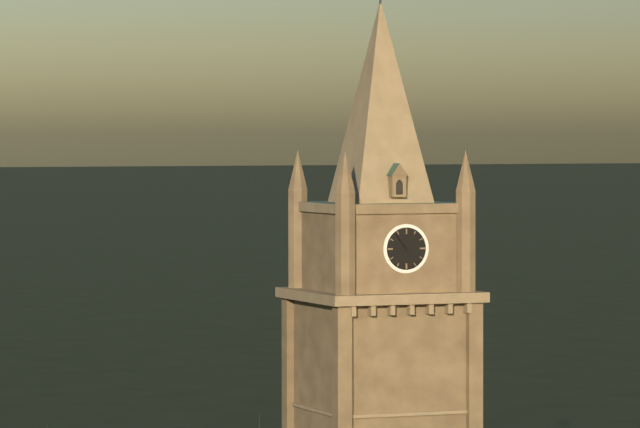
h=7 m=54
